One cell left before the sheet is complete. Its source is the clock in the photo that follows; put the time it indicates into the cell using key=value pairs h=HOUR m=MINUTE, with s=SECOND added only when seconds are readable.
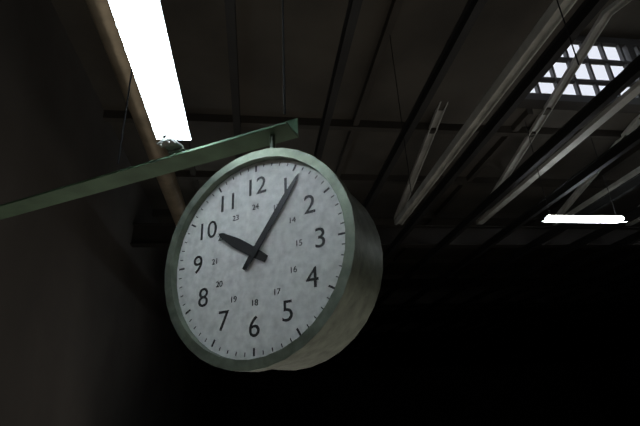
h=10 m=6
